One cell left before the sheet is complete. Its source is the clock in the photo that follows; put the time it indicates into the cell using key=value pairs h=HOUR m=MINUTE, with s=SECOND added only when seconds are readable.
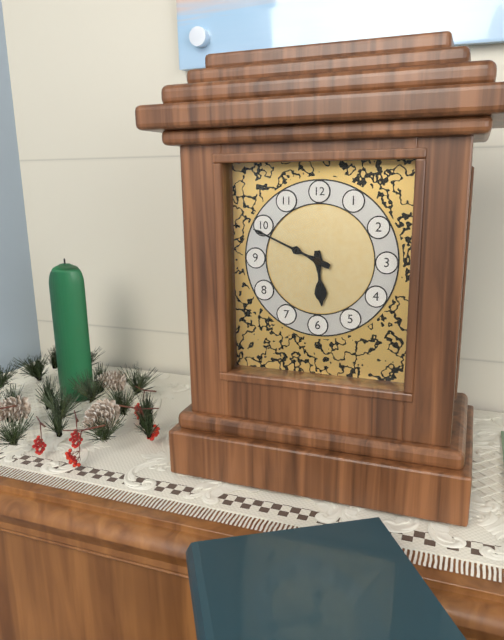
h=5 m=49
